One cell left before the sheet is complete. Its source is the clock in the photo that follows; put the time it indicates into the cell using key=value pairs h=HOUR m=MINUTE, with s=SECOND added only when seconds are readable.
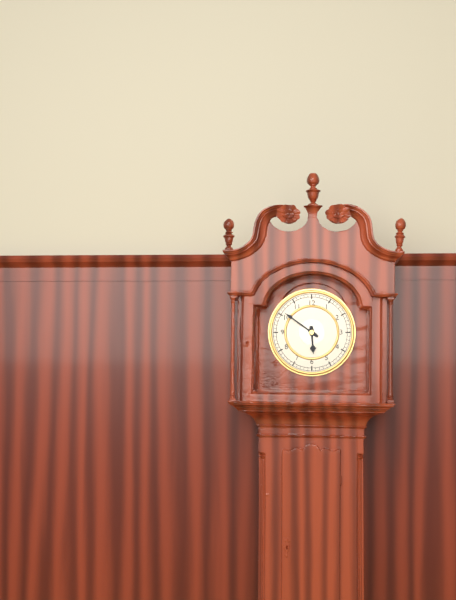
h=5 m=51
